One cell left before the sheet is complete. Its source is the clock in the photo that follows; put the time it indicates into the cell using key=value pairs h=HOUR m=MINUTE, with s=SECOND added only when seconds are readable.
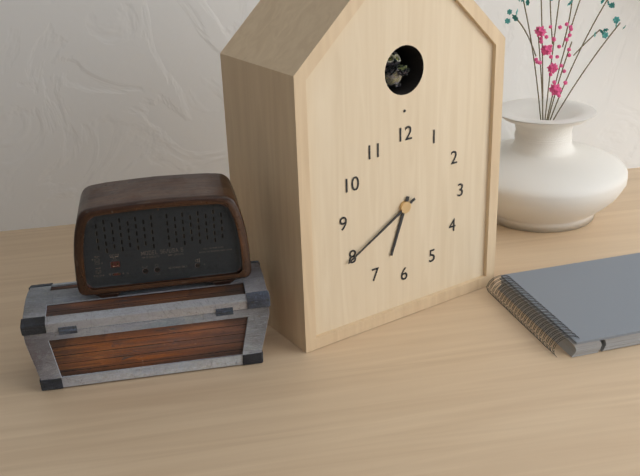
h=6 m=40
